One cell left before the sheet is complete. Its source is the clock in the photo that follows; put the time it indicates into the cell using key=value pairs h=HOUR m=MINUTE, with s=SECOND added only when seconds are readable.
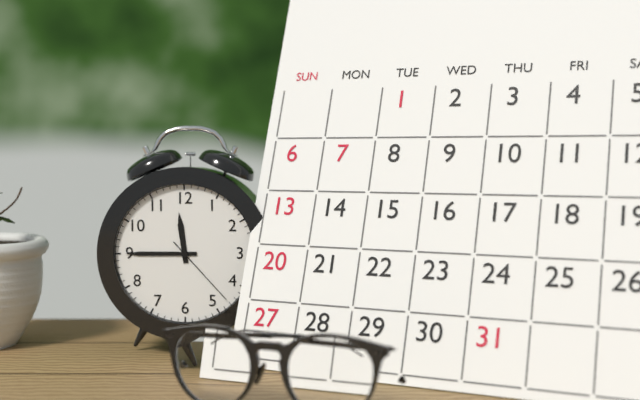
h=11 m=45 s=23
